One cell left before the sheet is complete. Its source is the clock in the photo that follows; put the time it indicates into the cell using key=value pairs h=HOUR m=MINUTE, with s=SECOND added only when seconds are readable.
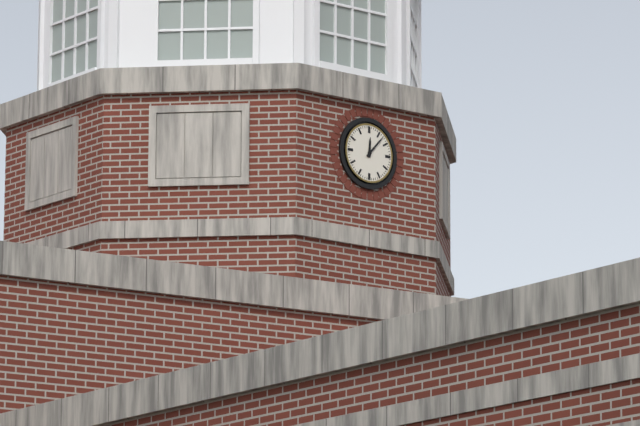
h=12 m=7
